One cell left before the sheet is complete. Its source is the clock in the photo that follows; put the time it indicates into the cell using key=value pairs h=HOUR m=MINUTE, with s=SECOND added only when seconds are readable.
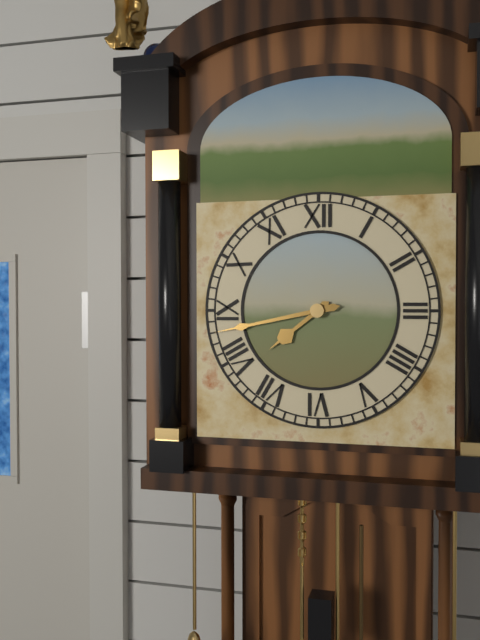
h=7 m=43
